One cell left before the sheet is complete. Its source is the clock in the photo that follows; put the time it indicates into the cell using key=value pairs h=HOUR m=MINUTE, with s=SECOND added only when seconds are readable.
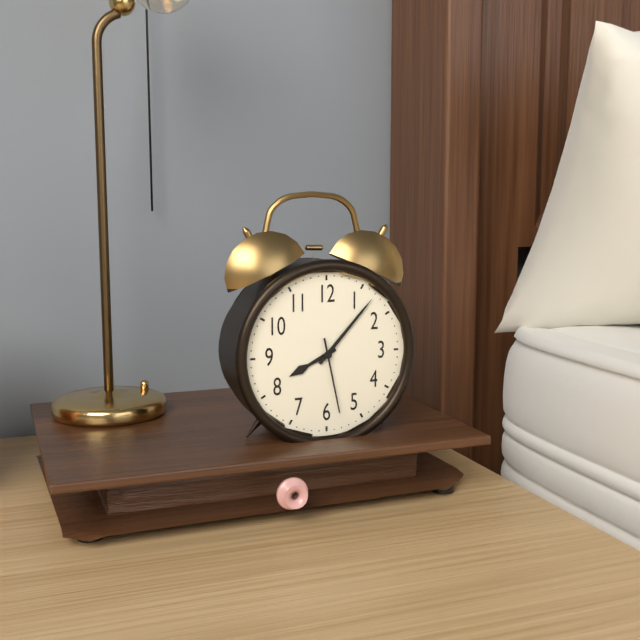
h=8 m=7 s=28
